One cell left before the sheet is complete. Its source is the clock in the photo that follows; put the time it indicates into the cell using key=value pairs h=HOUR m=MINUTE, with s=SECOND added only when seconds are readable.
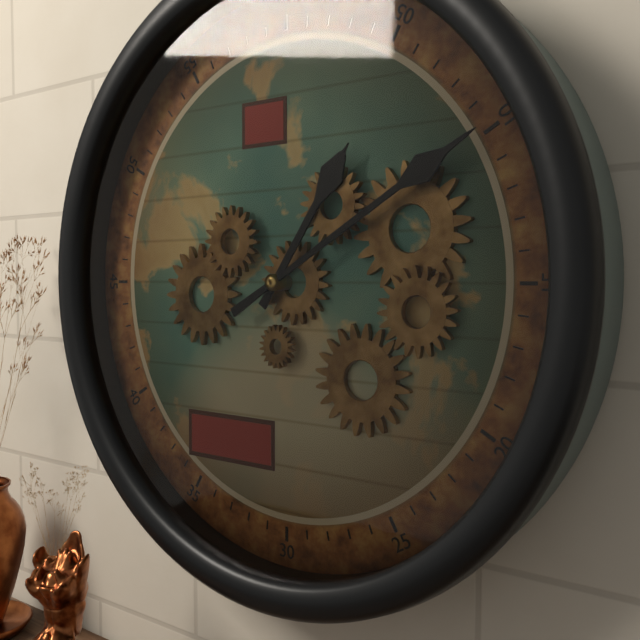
h=1 m=10
